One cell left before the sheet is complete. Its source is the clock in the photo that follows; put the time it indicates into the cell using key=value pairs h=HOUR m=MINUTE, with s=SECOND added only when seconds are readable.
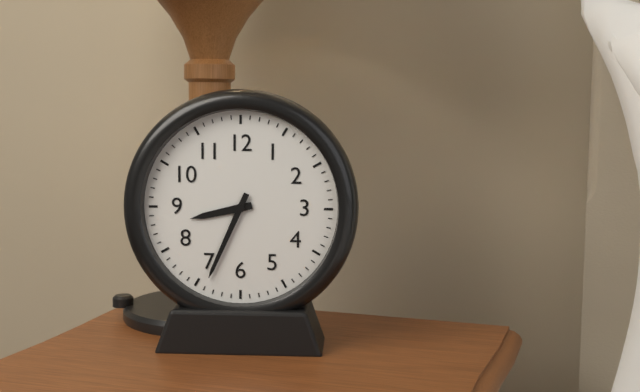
h=8 m=34
